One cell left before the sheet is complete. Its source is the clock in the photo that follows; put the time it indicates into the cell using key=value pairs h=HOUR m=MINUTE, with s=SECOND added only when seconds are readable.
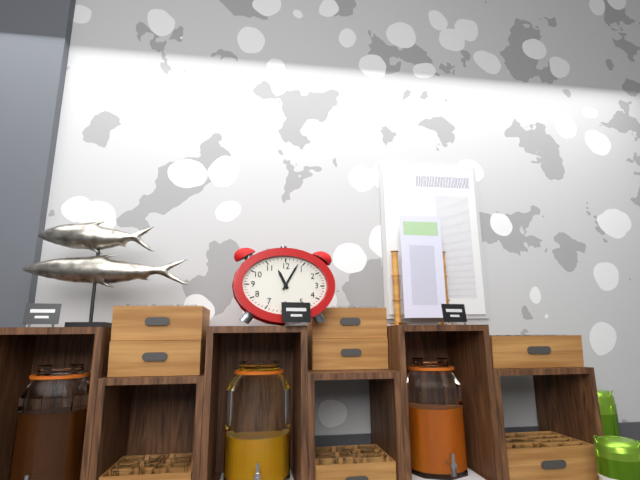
h=11 m=5
